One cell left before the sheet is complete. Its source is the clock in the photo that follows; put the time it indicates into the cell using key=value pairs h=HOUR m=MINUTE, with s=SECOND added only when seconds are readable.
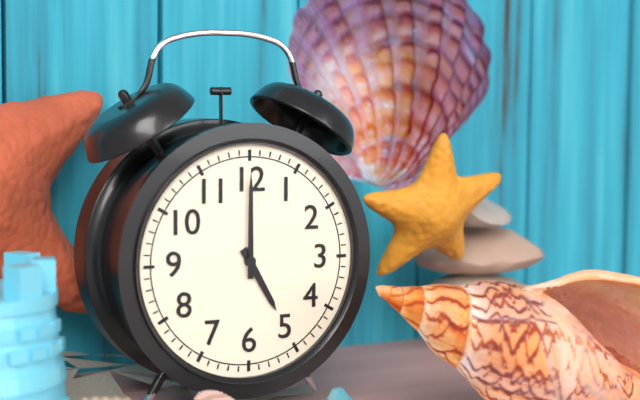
h=5 m=0
